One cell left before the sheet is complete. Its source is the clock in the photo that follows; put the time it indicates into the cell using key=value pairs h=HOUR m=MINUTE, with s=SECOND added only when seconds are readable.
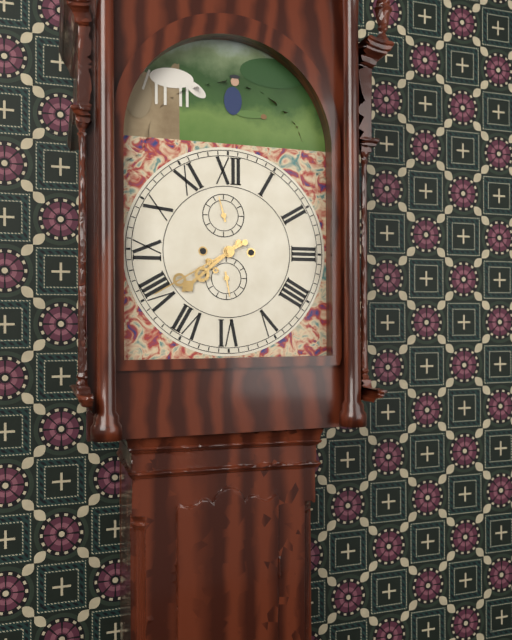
h=7 m=40
